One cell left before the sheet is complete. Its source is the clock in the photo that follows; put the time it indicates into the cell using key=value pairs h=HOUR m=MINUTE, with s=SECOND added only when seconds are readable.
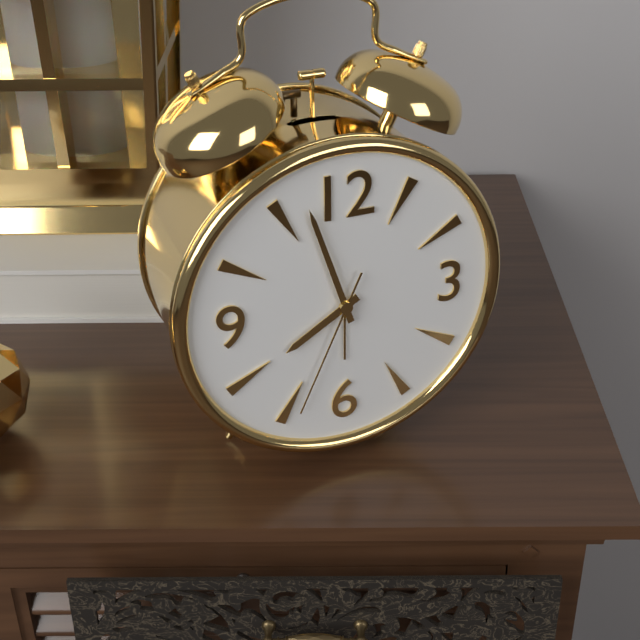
h=7 m=57 s=34
